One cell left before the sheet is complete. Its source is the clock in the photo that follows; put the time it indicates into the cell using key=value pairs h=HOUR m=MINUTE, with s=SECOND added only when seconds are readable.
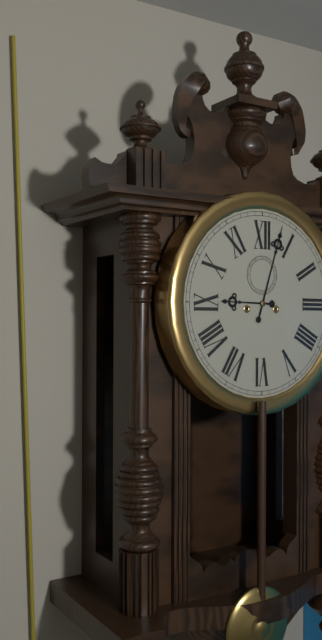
h=9 m=3
